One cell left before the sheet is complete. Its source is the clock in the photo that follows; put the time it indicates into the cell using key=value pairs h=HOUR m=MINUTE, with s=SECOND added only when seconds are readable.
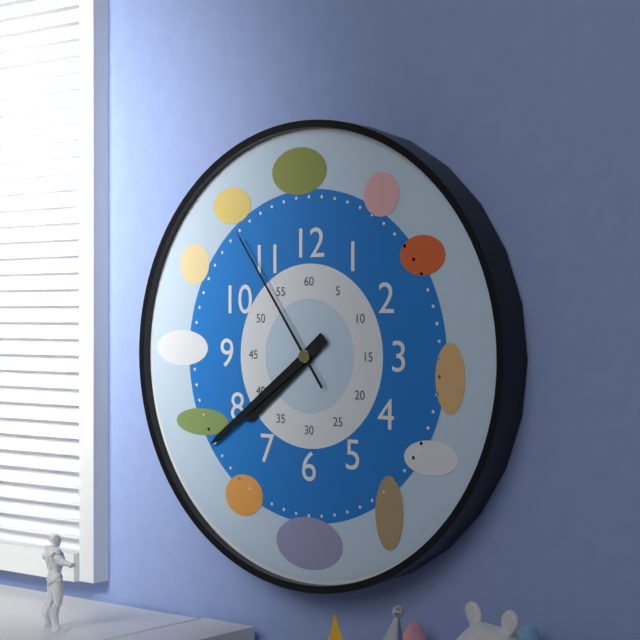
h=7 m=39 s=54
